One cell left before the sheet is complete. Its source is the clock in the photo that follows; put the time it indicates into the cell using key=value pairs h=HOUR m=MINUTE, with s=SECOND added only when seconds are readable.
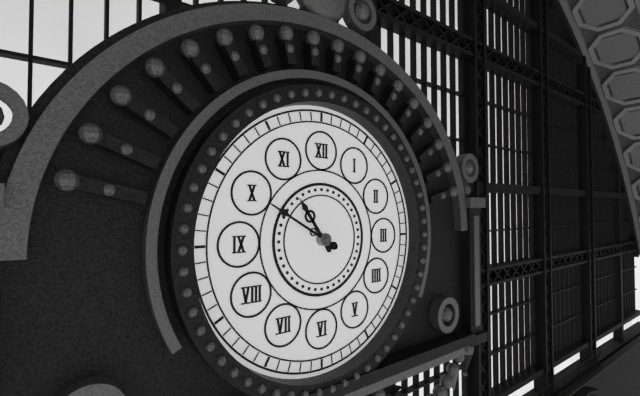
h=10 m=50
